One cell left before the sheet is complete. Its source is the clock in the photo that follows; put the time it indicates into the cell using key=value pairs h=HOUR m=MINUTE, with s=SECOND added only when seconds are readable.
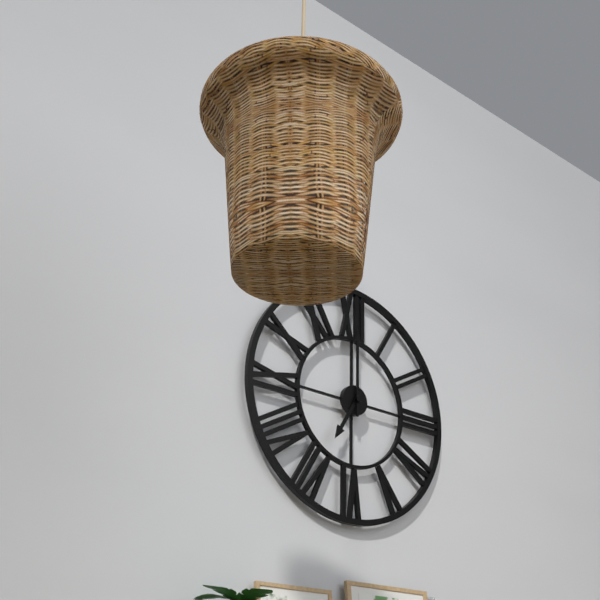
h=7 m=0
